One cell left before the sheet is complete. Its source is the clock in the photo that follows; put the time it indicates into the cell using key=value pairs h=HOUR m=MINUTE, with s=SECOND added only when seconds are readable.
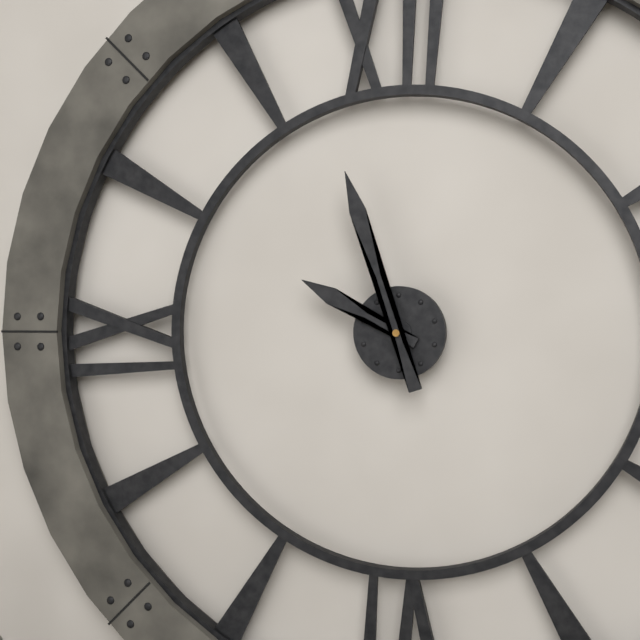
h=9 m=57
